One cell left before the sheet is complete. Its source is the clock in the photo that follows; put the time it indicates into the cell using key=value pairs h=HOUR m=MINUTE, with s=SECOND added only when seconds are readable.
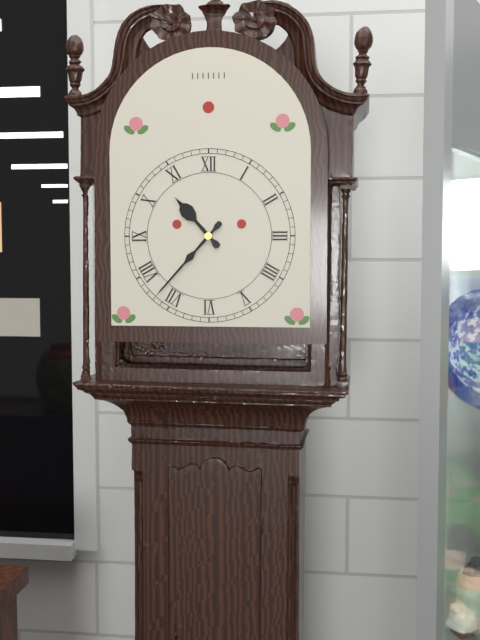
h=10 m=37
